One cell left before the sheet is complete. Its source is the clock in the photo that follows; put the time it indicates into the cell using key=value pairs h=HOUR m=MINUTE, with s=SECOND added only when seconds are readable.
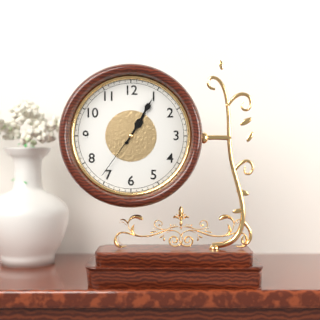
h=1 m=5 s=36
